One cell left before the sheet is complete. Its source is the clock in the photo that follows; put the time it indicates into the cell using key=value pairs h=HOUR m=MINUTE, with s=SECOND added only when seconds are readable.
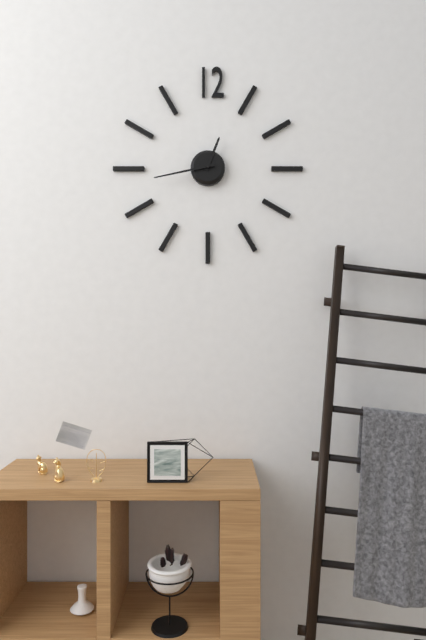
h=12 m=43
